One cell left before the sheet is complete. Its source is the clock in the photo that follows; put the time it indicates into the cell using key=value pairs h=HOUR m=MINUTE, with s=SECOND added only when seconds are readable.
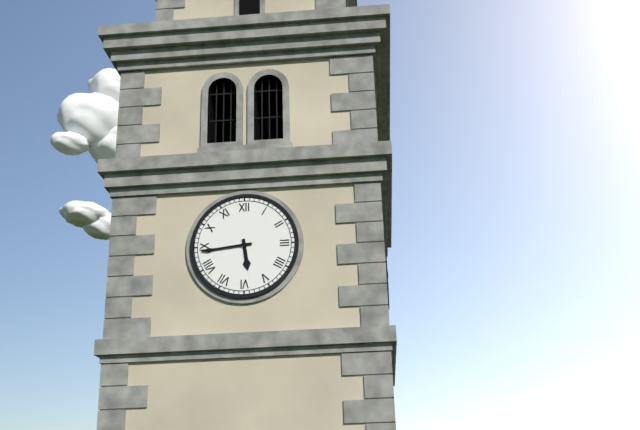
h=5 m=44
